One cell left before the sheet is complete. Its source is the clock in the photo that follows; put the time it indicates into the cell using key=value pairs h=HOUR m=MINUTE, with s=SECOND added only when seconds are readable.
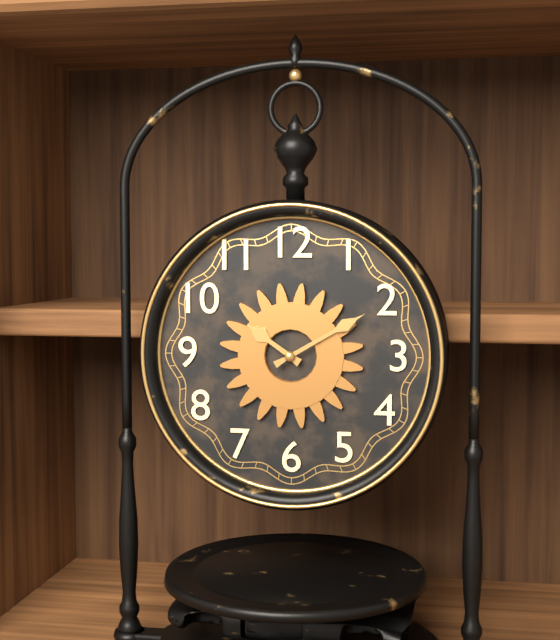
h=10 m=10
